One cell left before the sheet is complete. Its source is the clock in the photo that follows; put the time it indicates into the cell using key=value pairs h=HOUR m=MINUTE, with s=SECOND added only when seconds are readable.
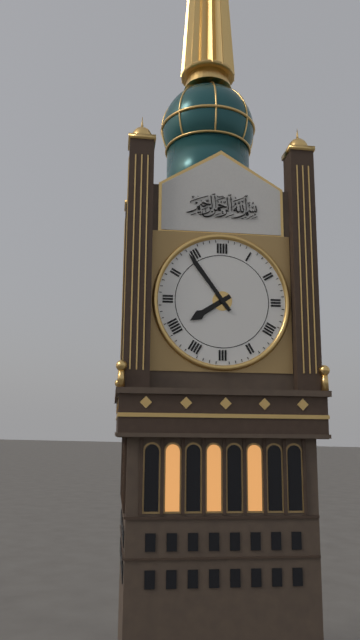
h=7 m=54
